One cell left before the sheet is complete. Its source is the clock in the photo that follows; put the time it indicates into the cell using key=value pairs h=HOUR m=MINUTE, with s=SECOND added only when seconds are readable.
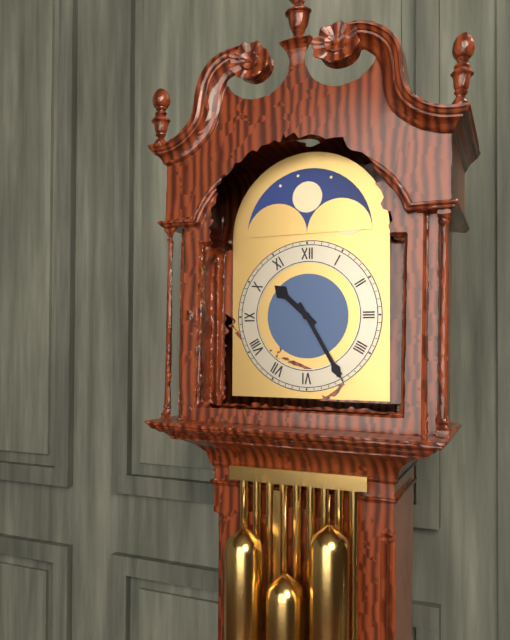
h=10 m=25
